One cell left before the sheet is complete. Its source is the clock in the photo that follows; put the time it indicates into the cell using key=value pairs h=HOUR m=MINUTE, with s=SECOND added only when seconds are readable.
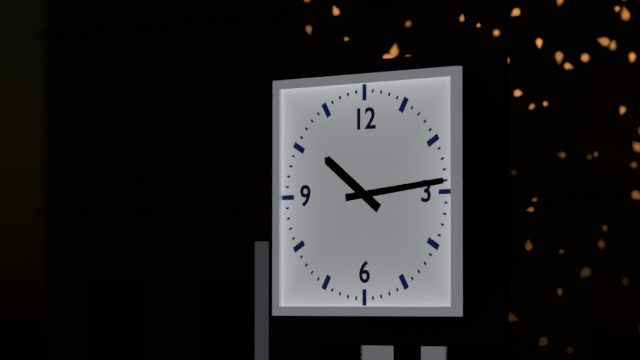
h=10 m=14
